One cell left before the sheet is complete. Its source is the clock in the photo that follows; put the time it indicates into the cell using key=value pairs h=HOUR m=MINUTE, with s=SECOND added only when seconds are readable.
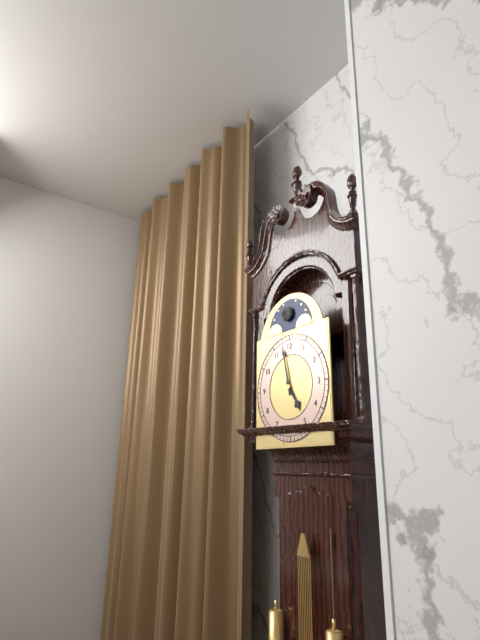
h=4 m=58
